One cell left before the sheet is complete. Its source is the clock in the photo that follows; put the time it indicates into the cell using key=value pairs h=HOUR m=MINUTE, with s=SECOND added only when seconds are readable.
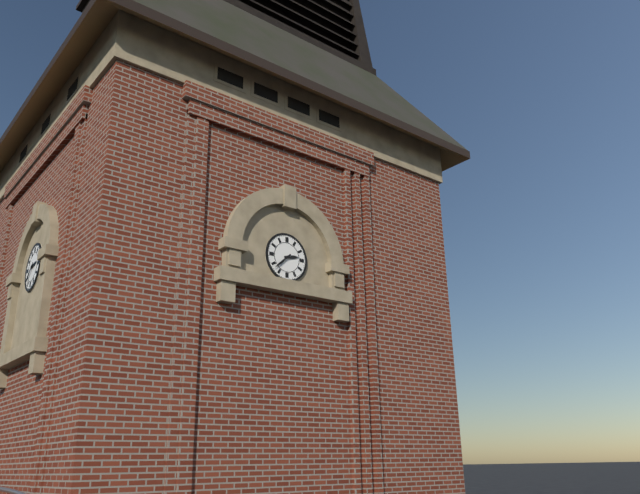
h=2 m=38
